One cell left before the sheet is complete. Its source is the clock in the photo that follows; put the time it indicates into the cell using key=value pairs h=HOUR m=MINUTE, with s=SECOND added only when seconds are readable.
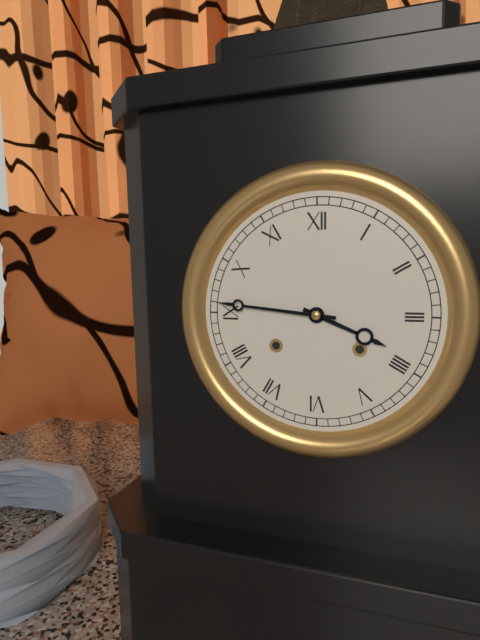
h=3 m=46
